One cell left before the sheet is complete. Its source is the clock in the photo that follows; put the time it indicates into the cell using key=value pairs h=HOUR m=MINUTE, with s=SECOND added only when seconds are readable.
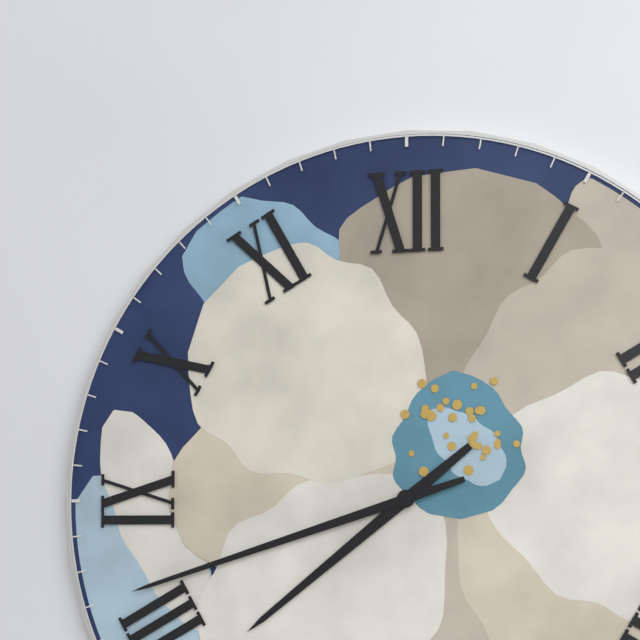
h=7 m=42
